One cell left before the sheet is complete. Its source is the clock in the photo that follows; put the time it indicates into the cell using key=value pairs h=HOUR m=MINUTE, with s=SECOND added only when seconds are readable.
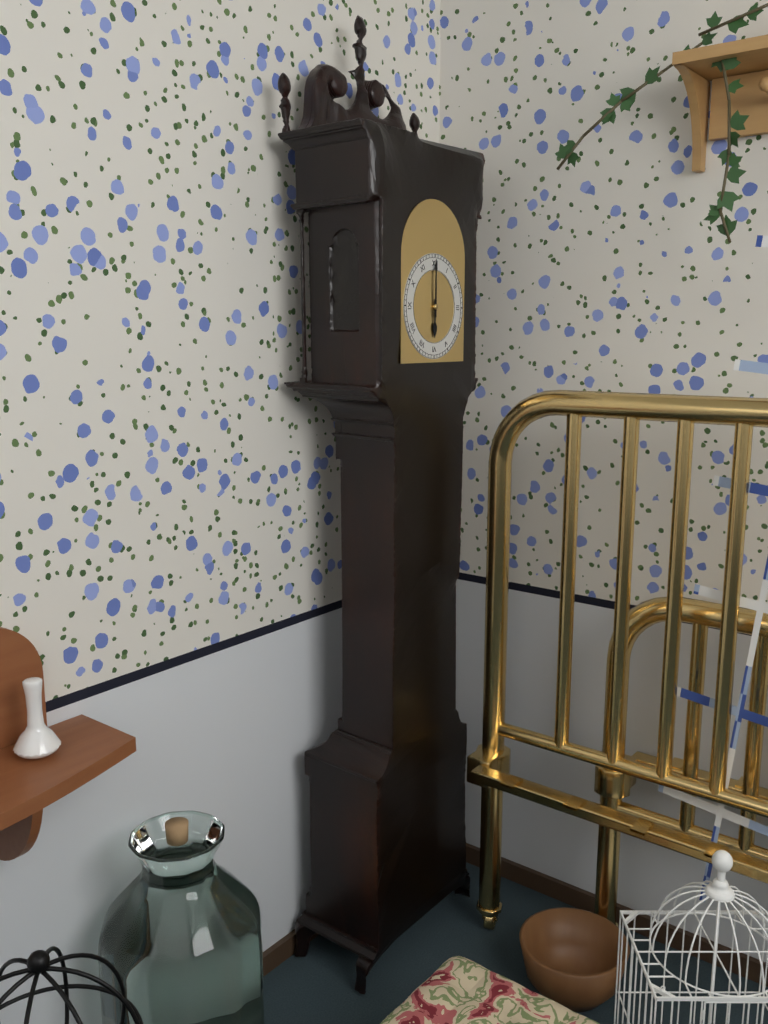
h=6 m=0
